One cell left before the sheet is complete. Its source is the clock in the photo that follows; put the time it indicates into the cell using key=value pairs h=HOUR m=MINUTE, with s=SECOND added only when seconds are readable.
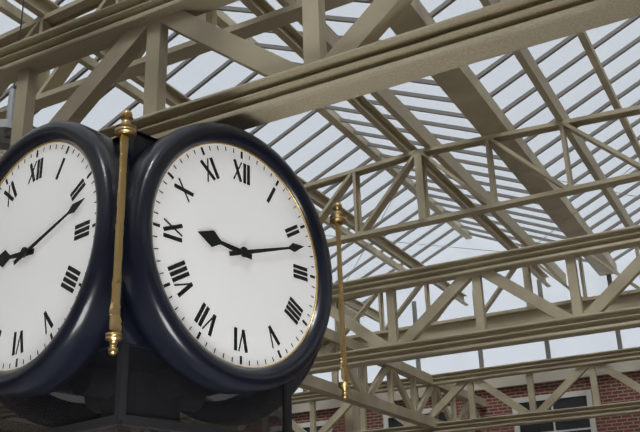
h=9 m=12
